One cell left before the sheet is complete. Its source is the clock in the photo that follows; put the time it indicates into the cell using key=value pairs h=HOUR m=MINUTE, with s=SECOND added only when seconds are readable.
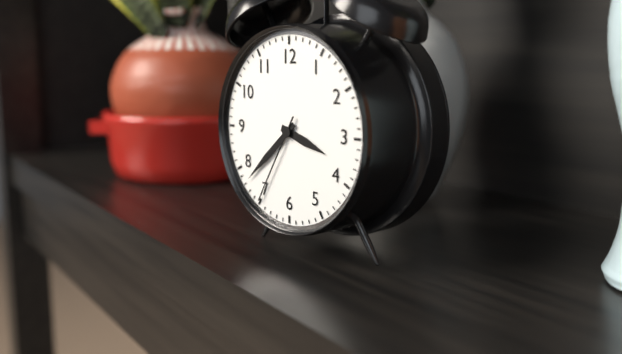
h=3 m=38 s=35
